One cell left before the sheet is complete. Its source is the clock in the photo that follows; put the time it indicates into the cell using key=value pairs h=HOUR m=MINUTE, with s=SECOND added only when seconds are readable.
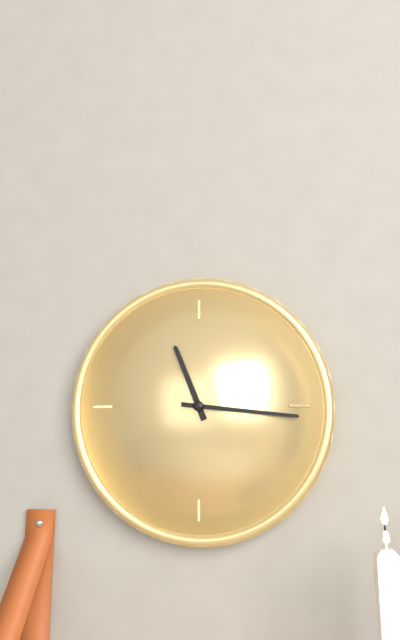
h=11 m=16
